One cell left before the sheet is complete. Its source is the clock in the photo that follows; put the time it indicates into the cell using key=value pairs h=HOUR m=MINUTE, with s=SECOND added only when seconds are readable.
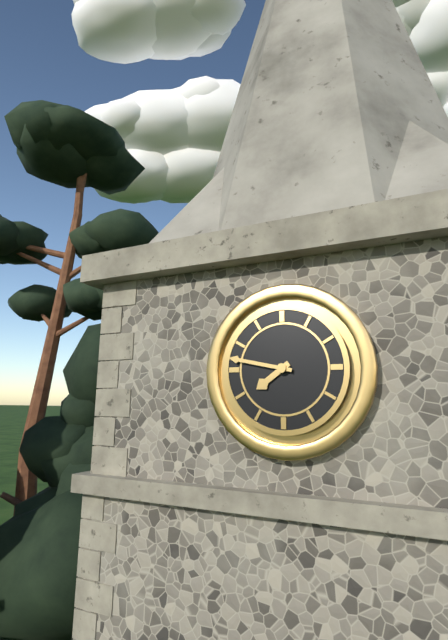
h=7 m=47
